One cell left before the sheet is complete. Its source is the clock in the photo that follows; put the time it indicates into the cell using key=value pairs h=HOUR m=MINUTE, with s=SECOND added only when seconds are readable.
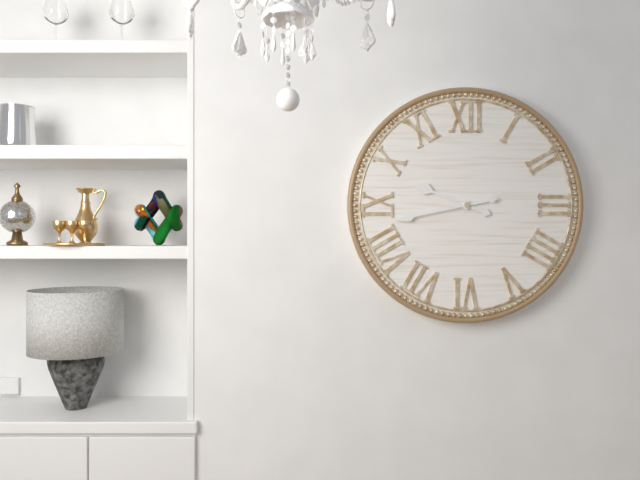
h=9 m=43
